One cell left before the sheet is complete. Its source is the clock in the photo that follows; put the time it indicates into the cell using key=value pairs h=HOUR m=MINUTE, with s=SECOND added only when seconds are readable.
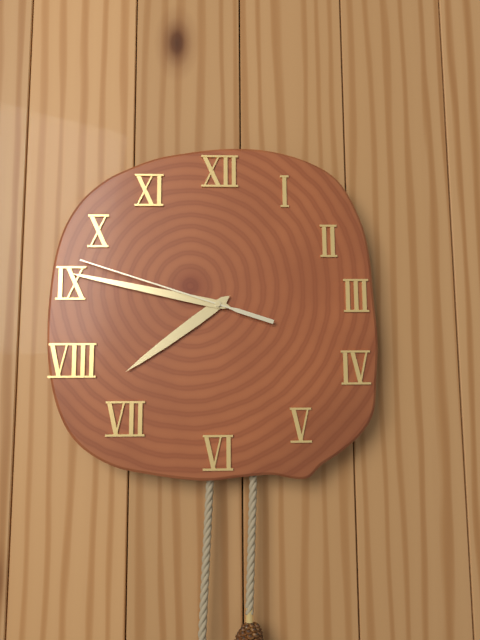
h=7 m=47 s=48
